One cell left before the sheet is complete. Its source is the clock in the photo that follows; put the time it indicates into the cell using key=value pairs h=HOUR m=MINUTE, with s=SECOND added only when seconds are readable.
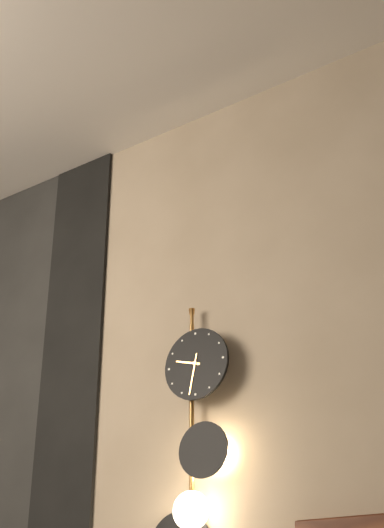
h=9 m=32
